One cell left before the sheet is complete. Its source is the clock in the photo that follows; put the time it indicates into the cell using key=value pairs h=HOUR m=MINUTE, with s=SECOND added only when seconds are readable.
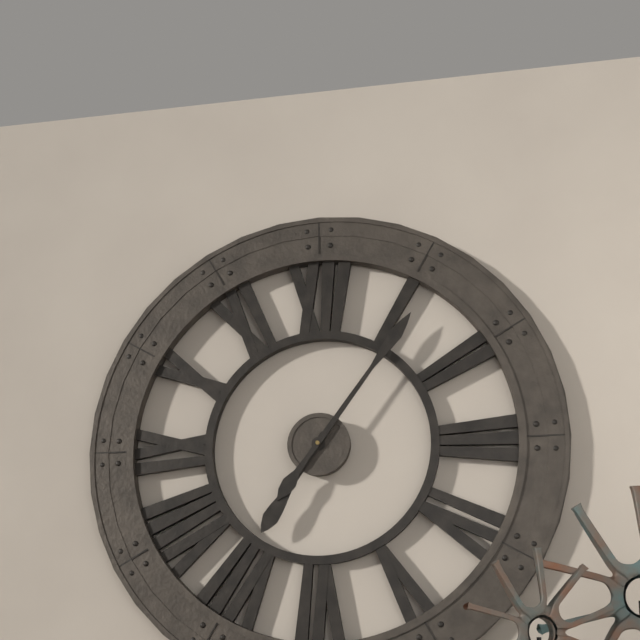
h=7 m=6
